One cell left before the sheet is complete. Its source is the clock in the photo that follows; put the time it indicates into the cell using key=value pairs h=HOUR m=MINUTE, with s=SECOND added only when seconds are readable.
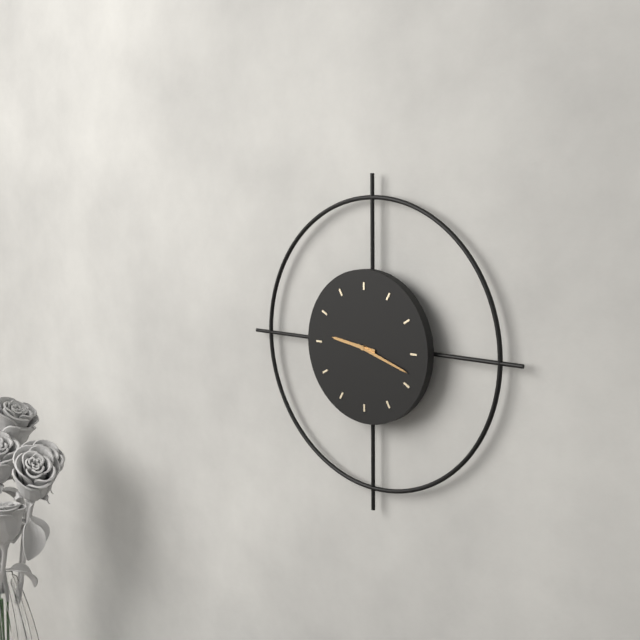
h=9 m=18
